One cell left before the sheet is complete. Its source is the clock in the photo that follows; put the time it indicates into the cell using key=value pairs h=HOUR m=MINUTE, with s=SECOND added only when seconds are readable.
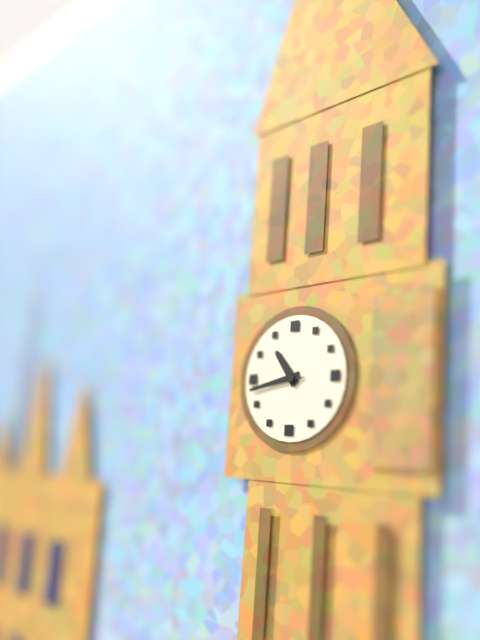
h=10 m=43
